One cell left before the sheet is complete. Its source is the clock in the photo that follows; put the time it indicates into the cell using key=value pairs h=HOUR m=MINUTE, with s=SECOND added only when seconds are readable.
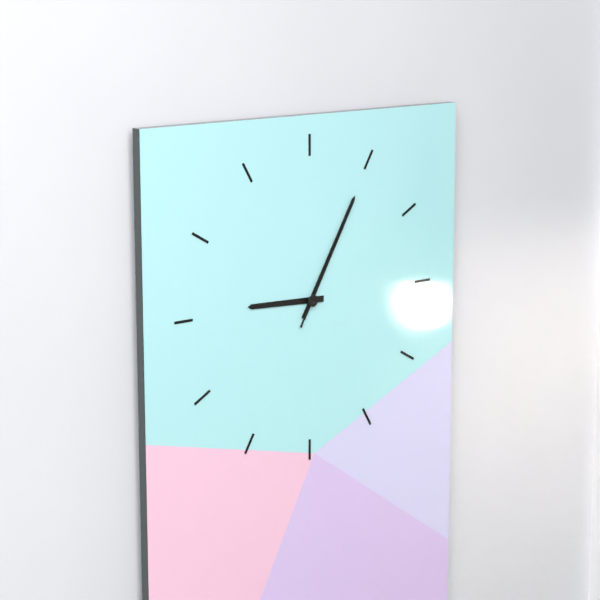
h=9 m=5 s=5
